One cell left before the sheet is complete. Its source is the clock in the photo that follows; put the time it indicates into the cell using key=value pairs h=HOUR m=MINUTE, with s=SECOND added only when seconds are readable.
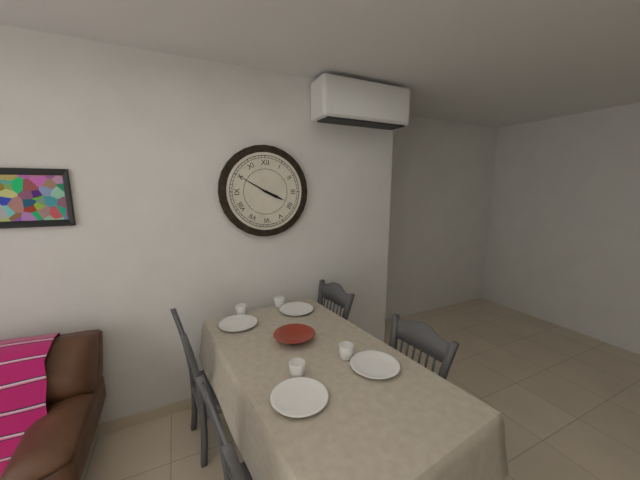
h=3 m=50
